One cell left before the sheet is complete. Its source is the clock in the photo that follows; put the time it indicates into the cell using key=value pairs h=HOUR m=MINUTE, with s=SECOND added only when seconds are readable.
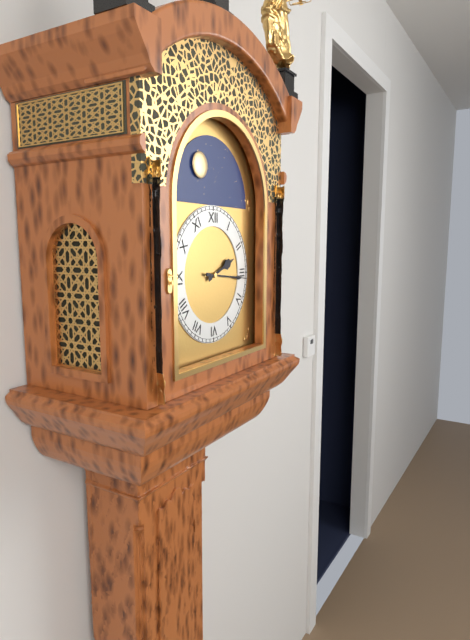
h=2 m=16
